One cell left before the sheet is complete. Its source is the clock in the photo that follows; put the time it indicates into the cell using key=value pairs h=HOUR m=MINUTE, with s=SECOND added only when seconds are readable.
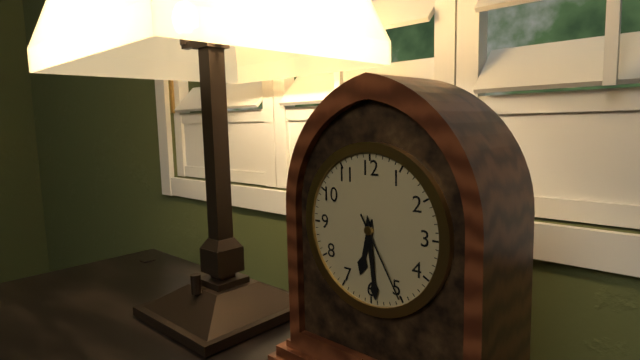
h=6 m=29 s=25
